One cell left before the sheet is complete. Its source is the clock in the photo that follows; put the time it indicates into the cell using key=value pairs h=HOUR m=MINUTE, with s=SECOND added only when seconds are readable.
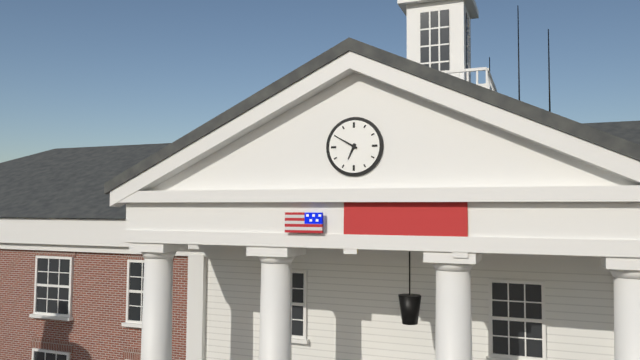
h=6 m=50
